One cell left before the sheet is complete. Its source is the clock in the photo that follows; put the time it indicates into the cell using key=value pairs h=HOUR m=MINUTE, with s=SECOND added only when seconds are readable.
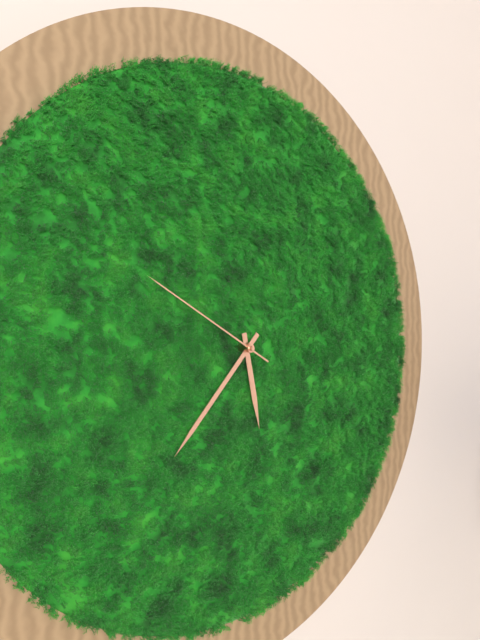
h=5 m=37 s=50
